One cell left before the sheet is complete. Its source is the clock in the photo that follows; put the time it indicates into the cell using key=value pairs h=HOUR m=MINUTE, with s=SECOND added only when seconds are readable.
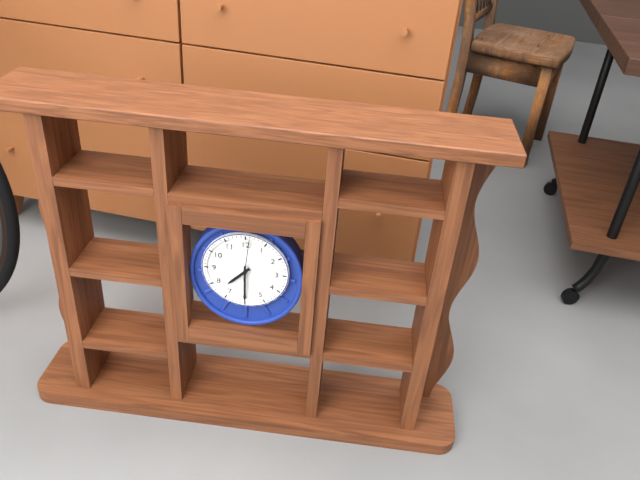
h=7 m=30
